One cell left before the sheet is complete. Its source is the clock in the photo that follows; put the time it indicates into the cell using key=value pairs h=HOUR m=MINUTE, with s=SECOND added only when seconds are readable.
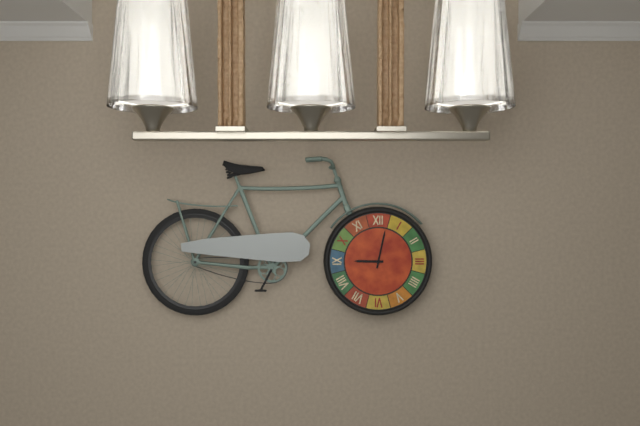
h=9 m=2
